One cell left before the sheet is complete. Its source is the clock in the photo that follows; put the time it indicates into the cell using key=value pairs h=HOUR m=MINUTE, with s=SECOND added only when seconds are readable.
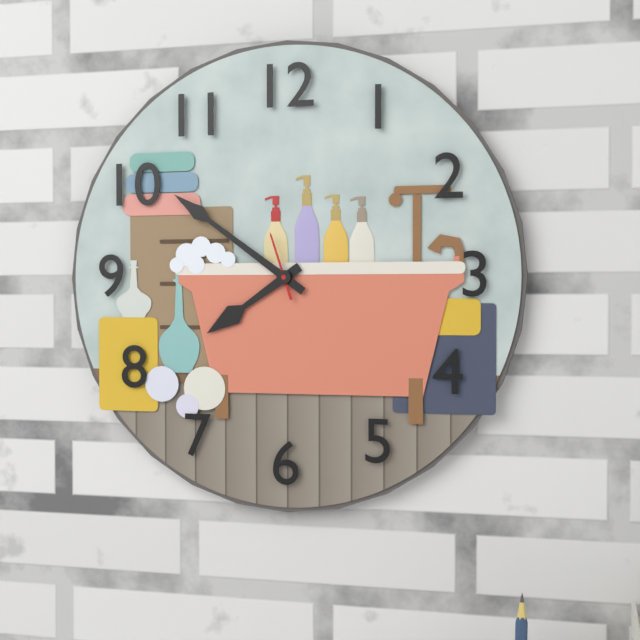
h=7 m=51 s=57
